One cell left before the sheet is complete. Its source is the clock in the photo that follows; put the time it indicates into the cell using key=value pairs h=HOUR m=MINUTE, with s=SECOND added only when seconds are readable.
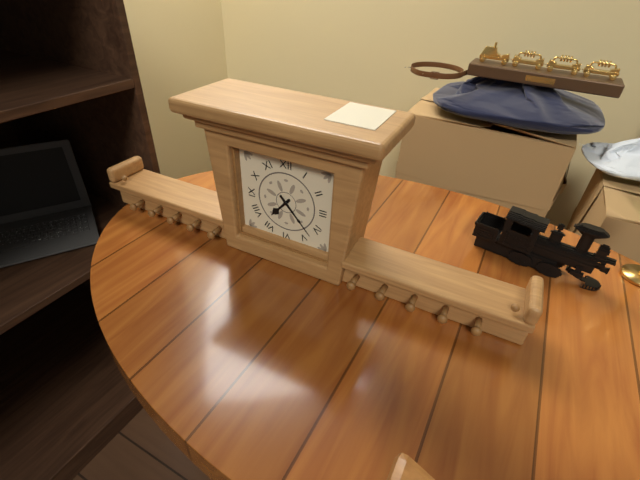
h=7 m=23
